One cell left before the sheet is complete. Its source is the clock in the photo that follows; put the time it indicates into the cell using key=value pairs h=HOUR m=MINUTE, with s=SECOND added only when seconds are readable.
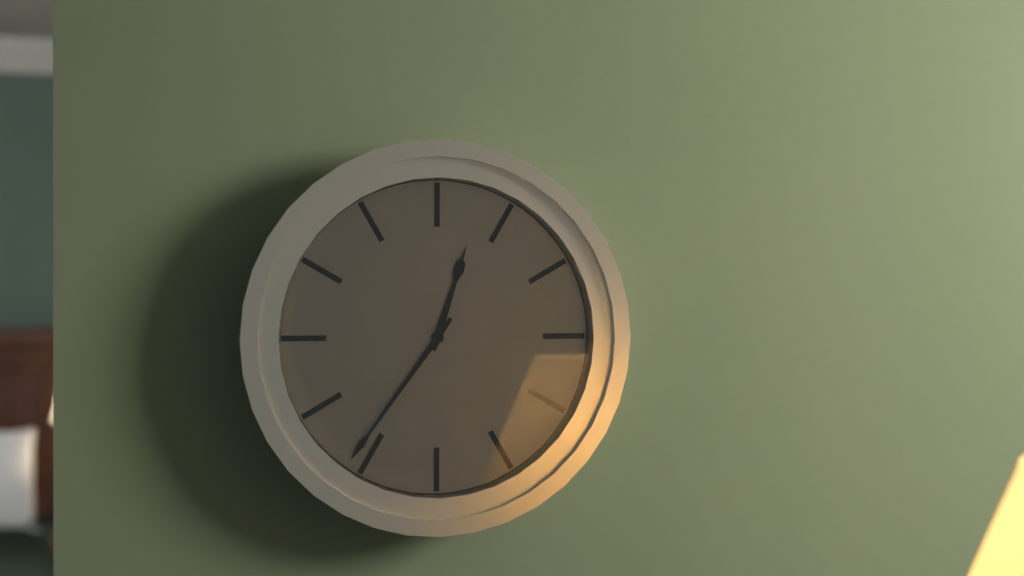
h=12 m=36
